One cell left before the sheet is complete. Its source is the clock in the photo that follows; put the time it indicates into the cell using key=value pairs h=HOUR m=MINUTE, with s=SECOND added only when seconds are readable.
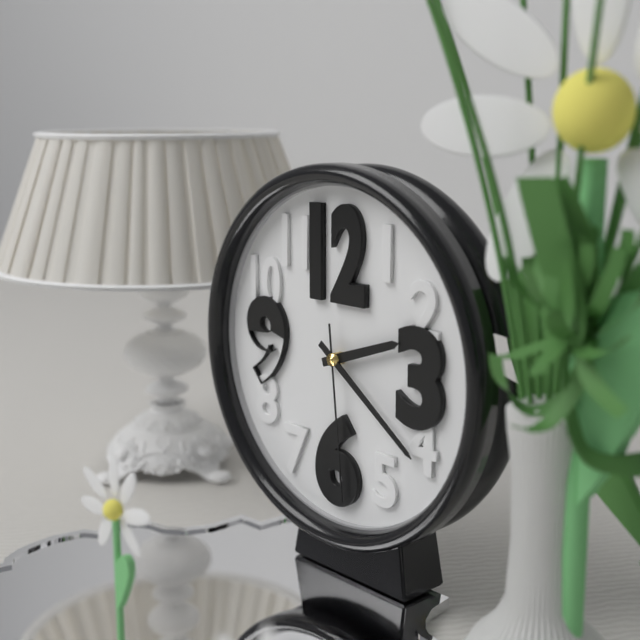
h=2 m=21 s=29
